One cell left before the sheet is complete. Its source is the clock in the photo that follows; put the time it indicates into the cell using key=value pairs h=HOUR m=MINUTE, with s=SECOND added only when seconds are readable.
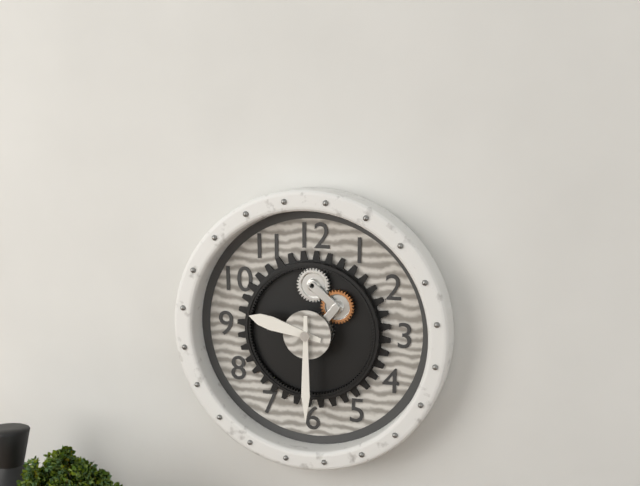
h=9 m=30
